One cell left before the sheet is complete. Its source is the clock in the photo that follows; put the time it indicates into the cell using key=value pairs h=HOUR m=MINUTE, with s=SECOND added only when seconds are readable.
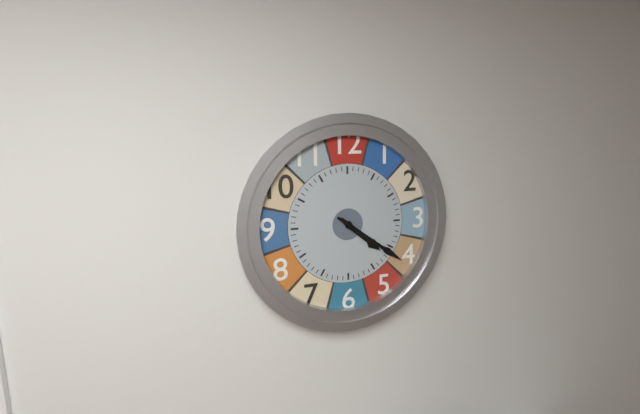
h=4 m=21
